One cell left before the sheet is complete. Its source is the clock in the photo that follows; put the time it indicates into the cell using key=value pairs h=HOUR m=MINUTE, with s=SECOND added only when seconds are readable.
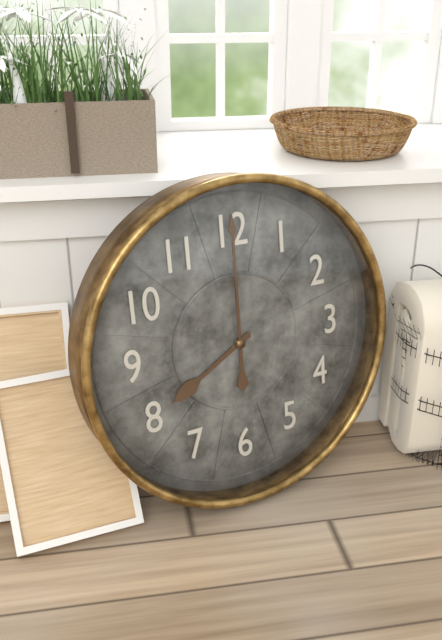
h=8 m=0
